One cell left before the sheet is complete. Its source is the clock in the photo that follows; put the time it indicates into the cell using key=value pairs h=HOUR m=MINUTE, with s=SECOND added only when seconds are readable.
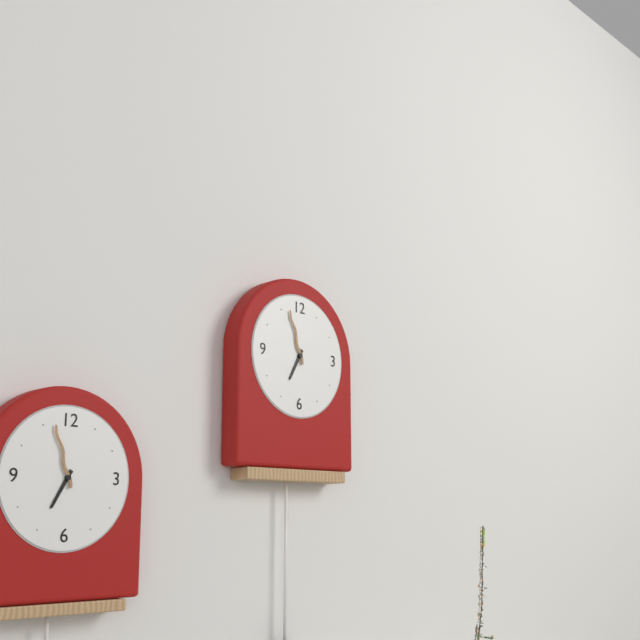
h=6 m=57
